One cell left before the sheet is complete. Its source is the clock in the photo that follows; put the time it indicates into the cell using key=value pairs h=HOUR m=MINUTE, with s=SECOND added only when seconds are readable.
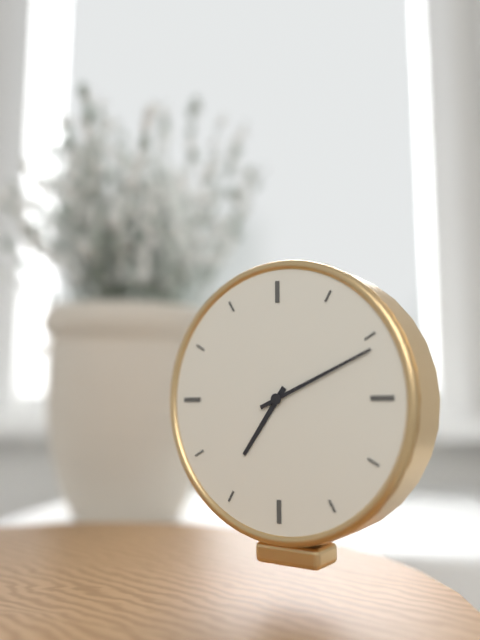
h=7 m=11
